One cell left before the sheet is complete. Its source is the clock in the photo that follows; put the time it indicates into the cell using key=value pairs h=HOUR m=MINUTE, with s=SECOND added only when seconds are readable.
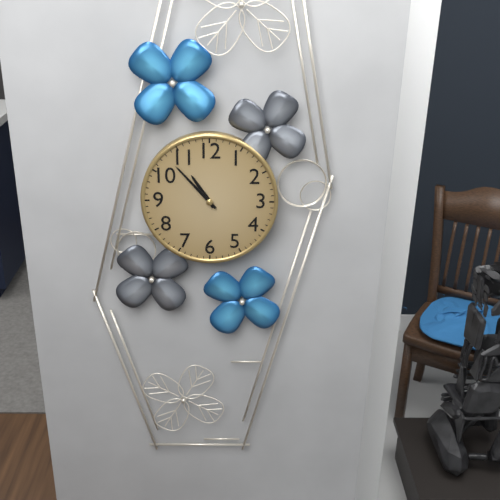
h=10 m=53
